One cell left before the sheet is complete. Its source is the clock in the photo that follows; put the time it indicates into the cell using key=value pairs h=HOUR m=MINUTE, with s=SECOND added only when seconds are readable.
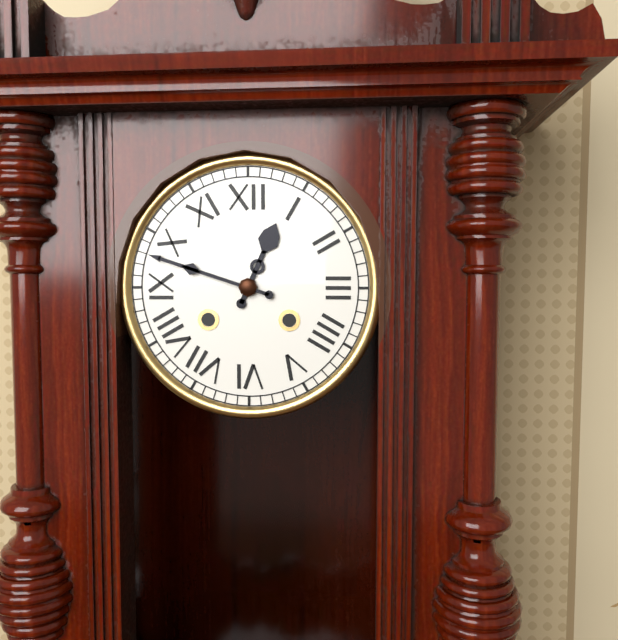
h=12 m=48
